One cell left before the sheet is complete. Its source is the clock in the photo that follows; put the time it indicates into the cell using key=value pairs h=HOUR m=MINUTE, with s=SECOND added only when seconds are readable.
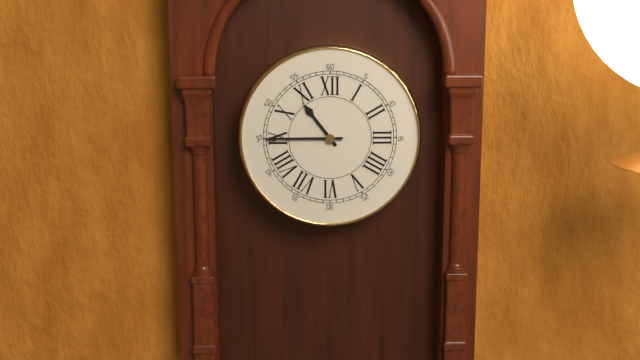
h=10 m=45
